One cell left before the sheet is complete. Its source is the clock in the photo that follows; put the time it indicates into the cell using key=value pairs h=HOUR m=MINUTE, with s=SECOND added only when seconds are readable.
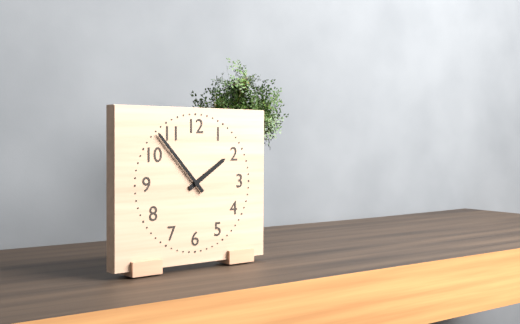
h=1 m=53
